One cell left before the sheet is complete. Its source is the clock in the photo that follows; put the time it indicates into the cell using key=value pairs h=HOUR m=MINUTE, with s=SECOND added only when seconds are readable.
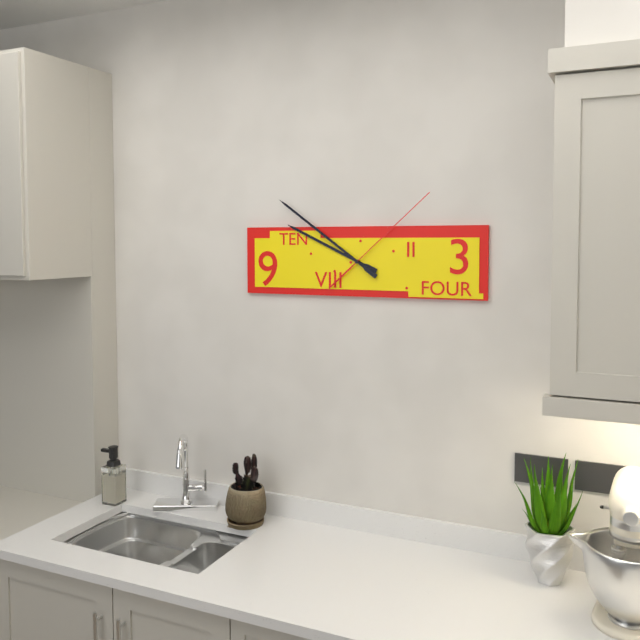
h=9 m=51 s=8
